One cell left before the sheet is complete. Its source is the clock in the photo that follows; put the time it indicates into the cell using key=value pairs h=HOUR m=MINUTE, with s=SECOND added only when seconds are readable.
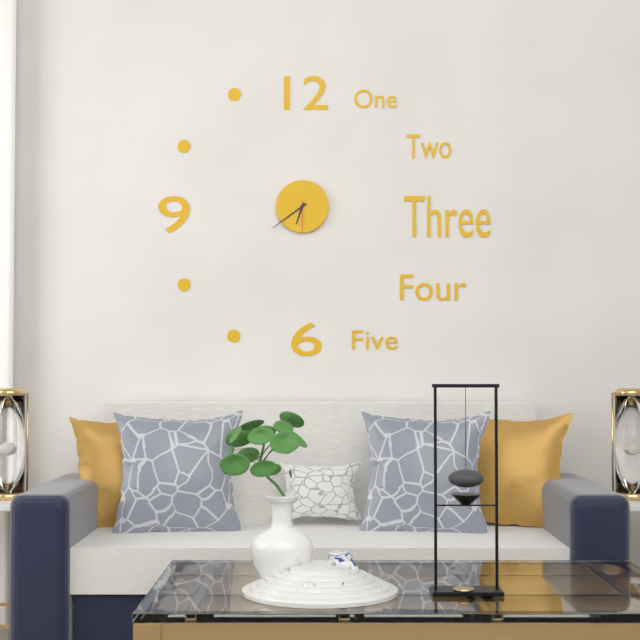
h=6 m=39
